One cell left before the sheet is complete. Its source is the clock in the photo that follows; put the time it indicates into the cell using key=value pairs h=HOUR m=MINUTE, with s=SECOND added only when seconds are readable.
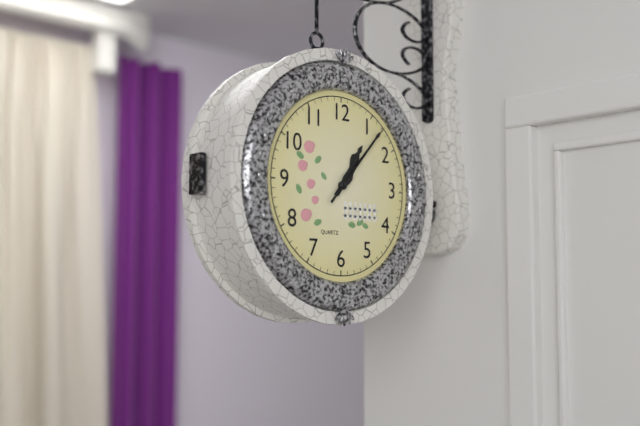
h=1 m=7 s=7
